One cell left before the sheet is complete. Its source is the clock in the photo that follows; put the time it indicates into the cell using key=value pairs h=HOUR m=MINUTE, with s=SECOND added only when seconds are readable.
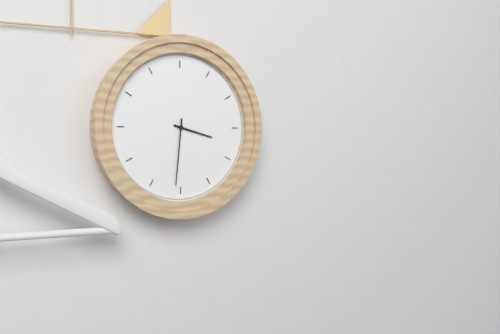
h=3 m=31
